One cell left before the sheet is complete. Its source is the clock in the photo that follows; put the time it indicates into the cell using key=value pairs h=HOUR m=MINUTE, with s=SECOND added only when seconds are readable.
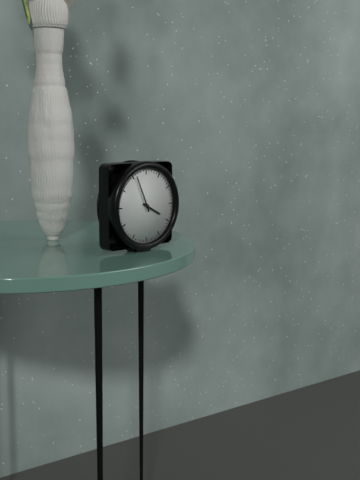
h=3 m=56
